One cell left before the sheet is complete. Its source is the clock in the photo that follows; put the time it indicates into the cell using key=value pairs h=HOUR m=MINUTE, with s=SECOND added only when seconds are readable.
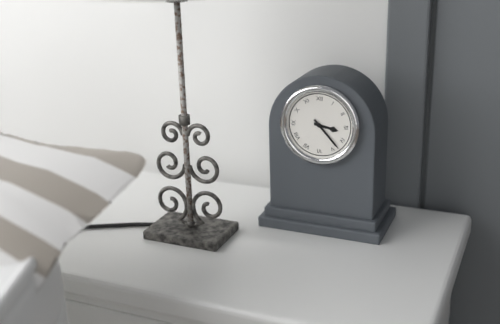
h=3 m=23
